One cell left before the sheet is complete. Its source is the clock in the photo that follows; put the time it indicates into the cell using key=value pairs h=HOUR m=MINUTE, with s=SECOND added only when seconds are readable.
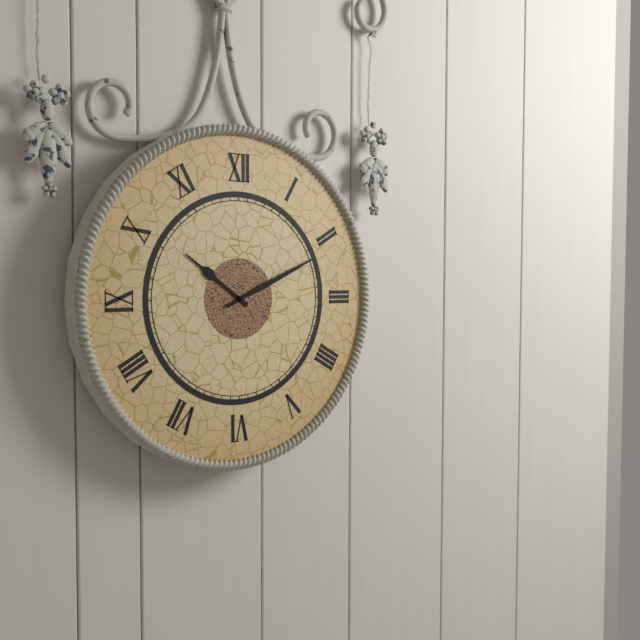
h=10 m=11
